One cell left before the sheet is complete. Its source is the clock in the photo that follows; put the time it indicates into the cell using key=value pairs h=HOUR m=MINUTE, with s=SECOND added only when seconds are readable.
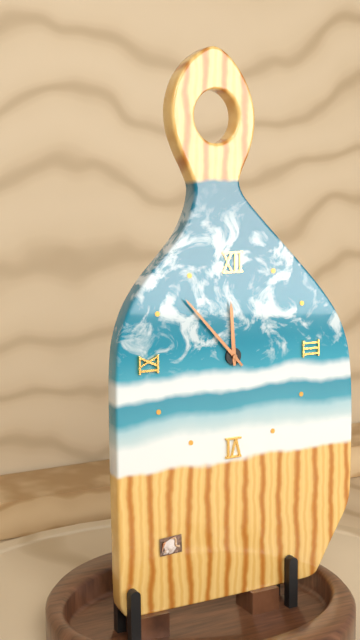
h=11 m=53
